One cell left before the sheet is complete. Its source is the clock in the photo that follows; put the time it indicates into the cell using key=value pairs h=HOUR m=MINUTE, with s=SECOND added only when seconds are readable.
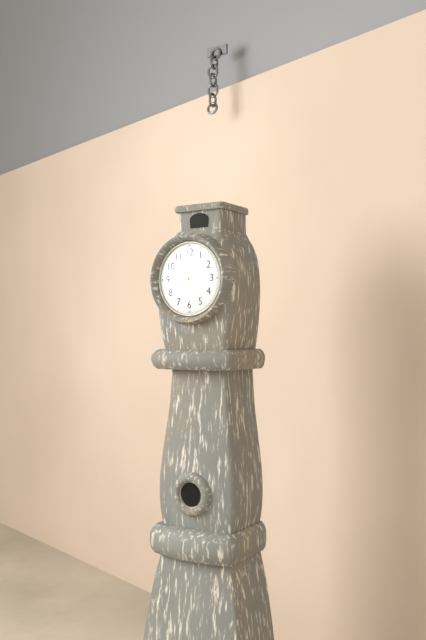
h=9 m=17
